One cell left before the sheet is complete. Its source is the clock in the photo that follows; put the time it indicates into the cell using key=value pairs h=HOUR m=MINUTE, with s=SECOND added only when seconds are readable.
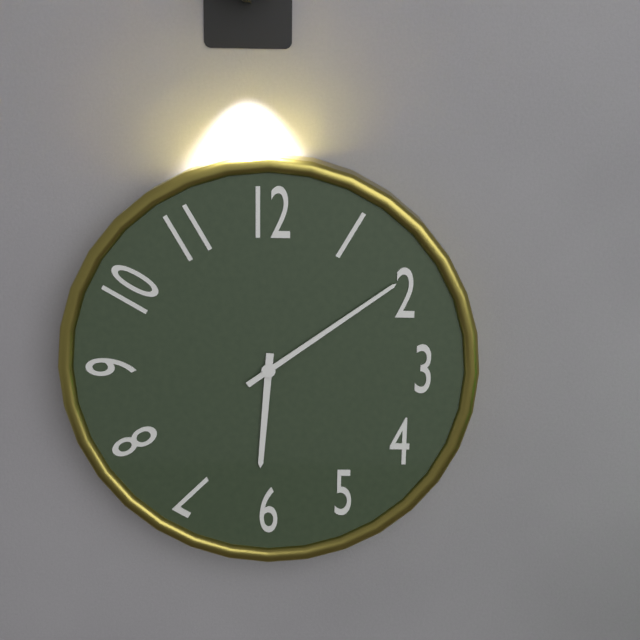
h=6 m=9
